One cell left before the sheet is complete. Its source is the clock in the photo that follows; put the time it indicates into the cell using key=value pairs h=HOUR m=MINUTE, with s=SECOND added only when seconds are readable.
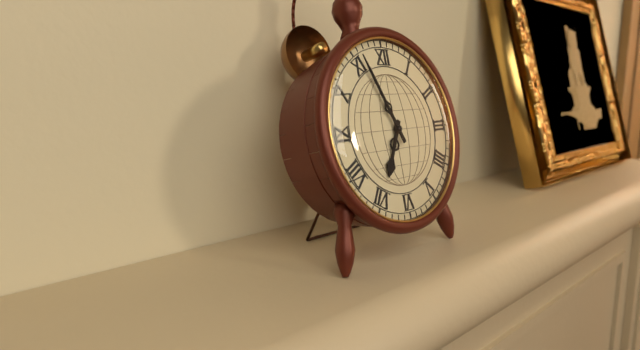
h=6 m=56
